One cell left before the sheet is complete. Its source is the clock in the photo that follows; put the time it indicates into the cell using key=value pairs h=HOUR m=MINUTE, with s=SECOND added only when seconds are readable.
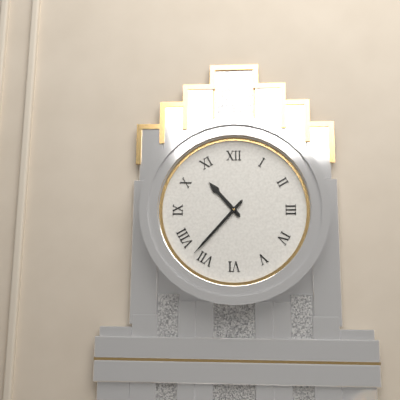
h=10 m=37
